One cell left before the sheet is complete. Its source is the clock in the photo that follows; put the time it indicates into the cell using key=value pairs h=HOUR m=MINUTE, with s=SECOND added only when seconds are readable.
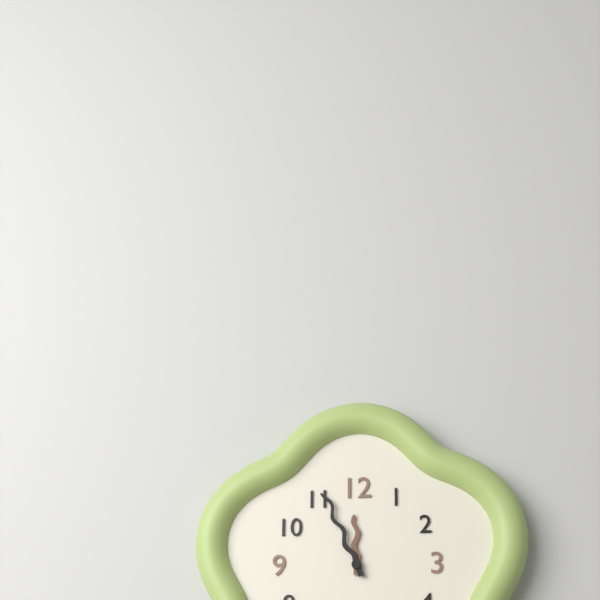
h=11 m=56
